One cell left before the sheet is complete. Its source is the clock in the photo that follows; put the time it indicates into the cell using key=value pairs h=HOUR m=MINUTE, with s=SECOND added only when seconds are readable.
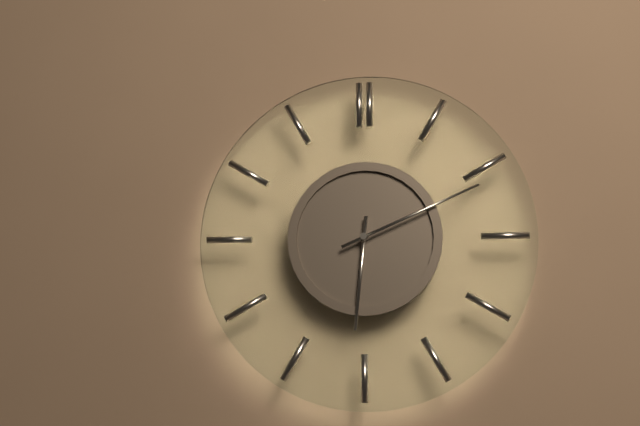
h=6 m=11
